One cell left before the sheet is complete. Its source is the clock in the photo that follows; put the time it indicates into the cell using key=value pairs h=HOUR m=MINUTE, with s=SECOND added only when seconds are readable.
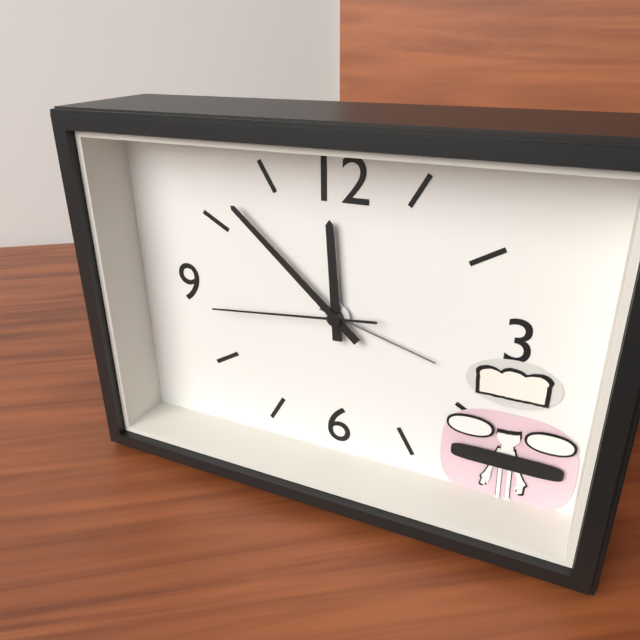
h=11 m=52 s=44
